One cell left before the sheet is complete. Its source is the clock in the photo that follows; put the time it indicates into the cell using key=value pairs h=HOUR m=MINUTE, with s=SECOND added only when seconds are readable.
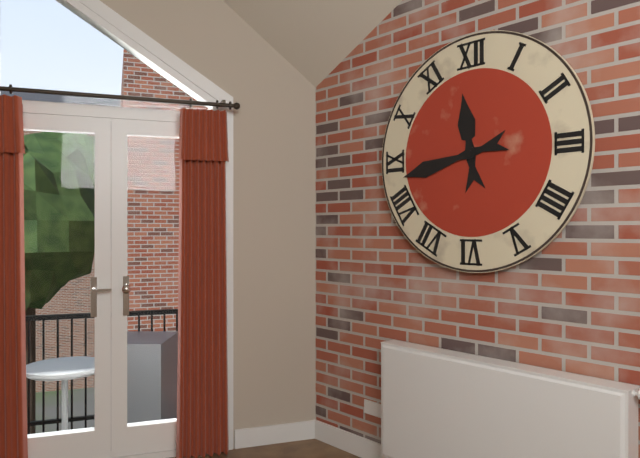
h=11 m=43
